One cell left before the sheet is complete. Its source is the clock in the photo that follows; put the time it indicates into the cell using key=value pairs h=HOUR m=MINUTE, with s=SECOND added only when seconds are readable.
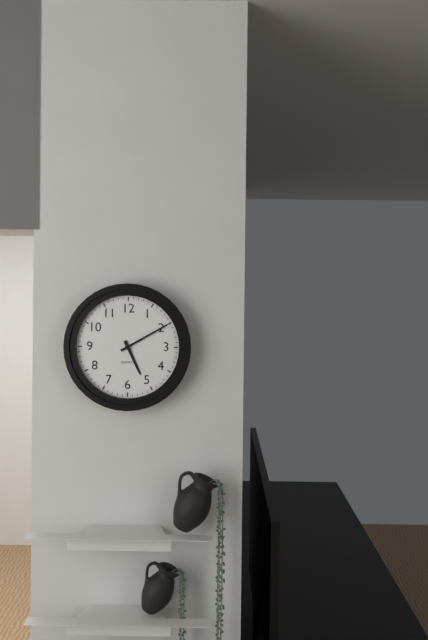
h=5 m=10
